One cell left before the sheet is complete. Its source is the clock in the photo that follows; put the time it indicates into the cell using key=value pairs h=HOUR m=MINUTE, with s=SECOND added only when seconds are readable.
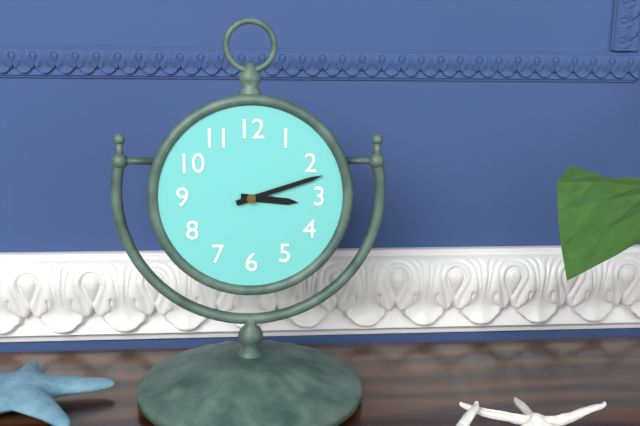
h=3 m=12
